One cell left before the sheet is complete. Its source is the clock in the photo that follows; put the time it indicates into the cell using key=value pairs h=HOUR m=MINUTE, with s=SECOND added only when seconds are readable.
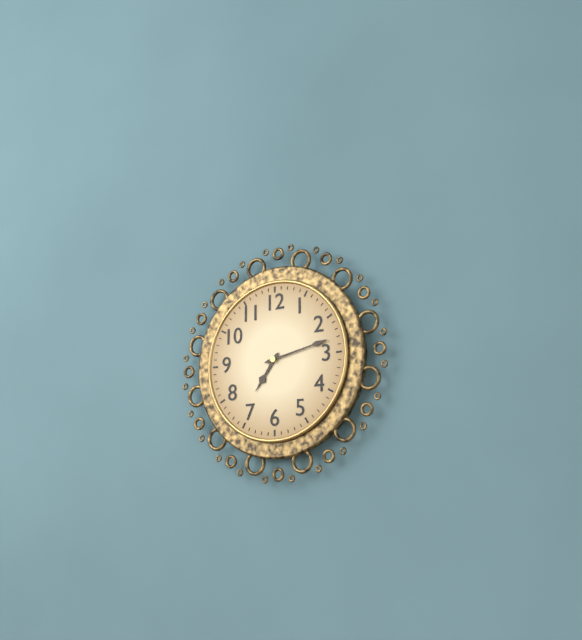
h=7 m=13
